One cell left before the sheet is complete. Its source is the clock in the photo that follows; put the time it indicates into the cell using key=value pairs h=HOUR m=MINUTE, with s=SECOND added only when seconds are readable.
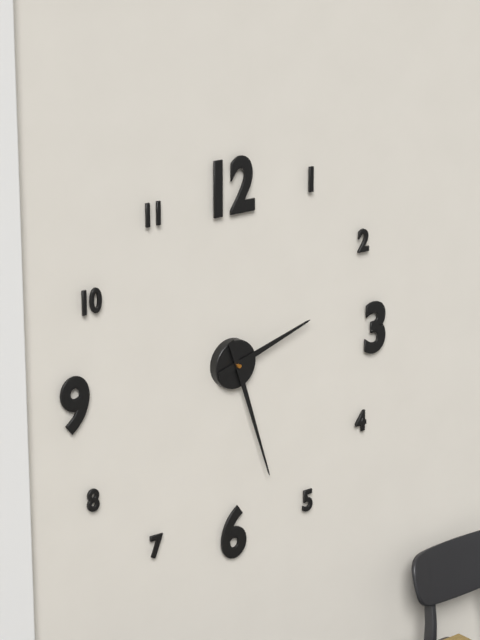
h=2 m=27
